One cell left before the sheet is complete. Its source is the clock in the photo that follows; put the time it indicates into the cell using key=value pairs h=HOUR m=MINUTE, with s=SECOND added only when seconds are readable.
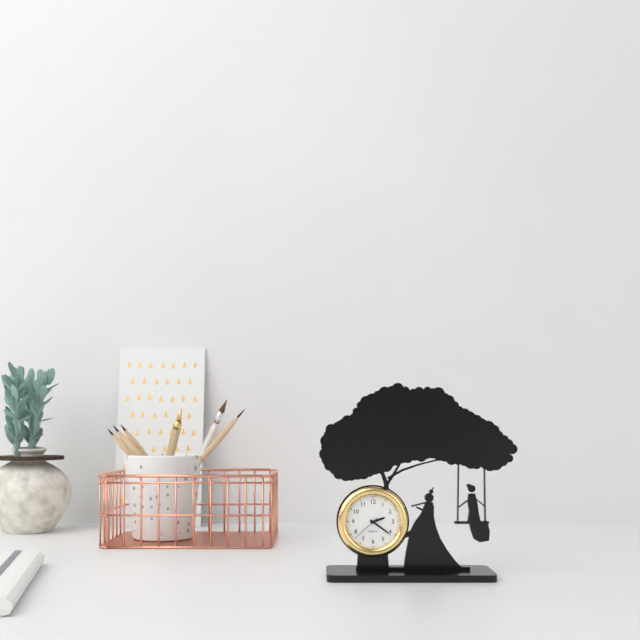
h=2 m=21
